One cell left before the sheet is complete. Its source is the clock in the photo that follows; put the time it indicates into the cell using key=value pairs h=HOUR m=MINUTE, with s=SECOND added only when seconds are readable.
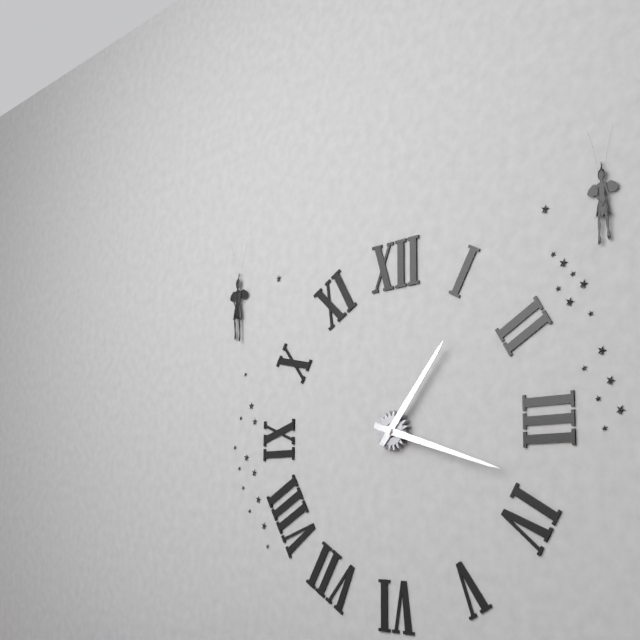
h=1 m=18
